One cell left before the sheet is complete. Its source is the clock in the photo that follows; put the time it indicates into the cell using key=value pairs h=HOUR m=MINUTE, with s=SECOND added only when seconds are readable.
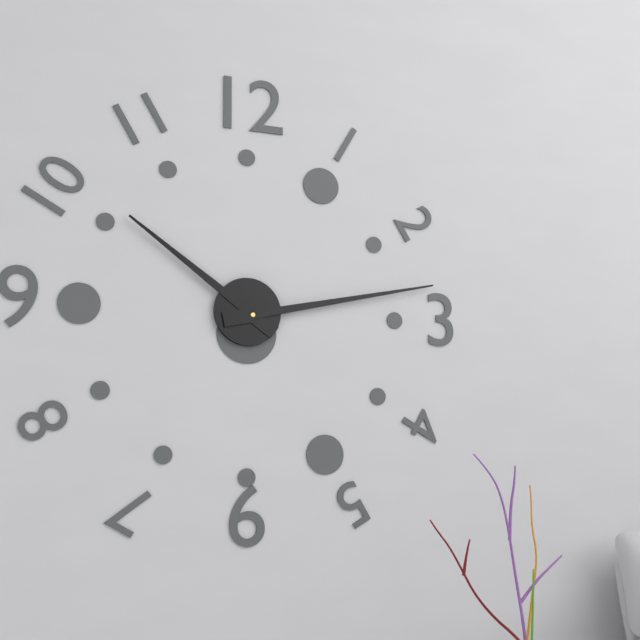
h=10 m=13
